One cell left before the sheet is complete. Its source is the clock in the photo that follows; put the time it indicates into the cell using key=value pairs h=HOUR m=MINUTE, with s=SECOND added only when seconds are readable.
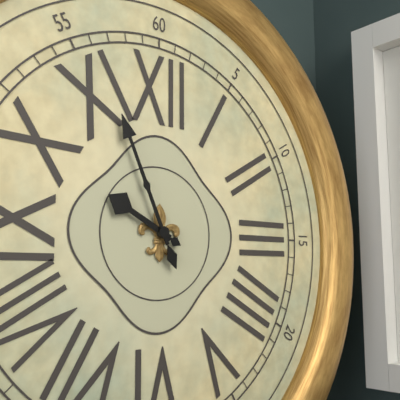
h=9 m=56
